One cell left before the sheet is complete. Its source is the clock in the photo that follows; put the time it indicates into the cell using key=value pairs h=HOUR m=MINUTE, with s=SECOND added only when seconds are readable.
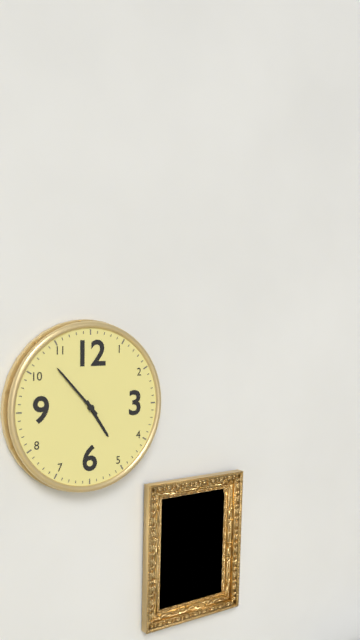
h=4 m=53
